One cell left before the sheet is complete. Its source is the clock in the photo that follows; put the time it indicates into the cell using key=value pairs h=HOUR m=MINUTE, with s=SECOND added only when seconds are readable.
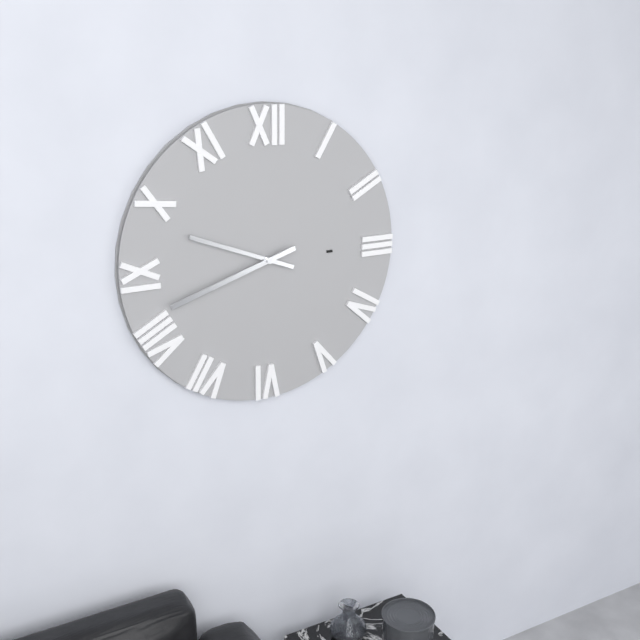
h=9 m=42
